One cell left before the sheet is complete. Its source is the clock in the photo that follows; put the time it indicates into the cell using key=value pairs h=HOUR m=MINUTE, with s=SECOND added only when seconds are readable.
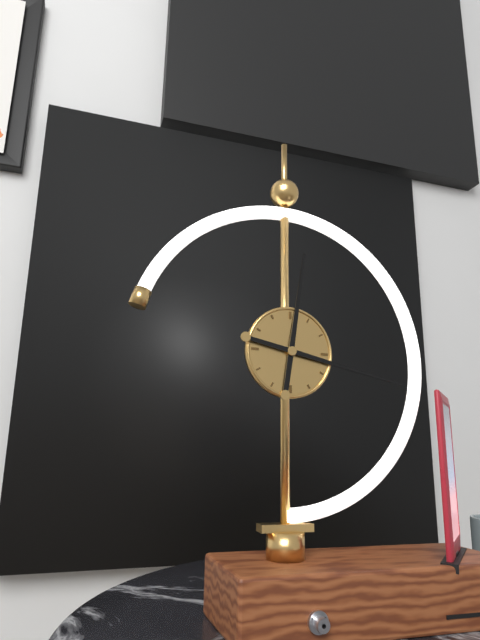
h=12 m=17
